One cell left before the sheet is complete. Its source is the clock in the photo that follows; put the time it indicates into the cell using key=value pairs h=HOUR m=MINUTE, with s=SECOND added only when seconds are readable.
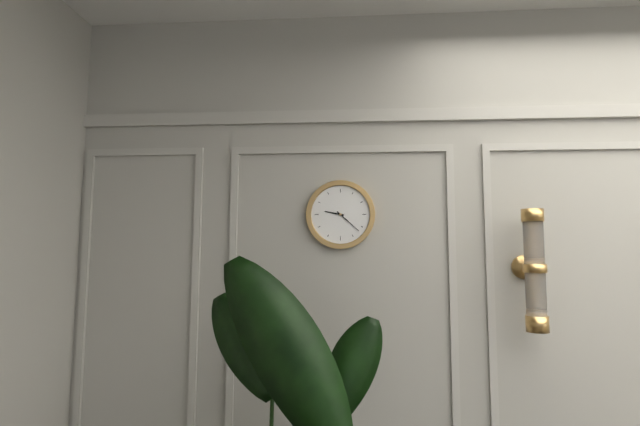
h=9 m=22
